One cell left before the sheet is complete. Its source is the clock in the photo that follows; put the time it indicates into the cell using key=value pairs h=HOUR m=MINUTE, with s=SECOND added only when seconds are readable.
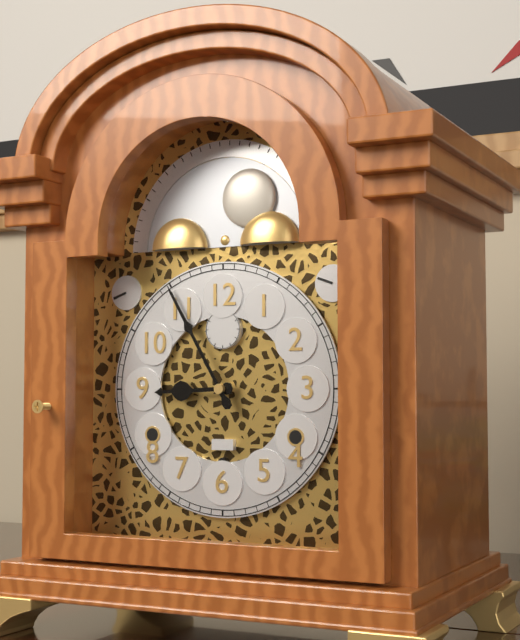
h=8 m=55
